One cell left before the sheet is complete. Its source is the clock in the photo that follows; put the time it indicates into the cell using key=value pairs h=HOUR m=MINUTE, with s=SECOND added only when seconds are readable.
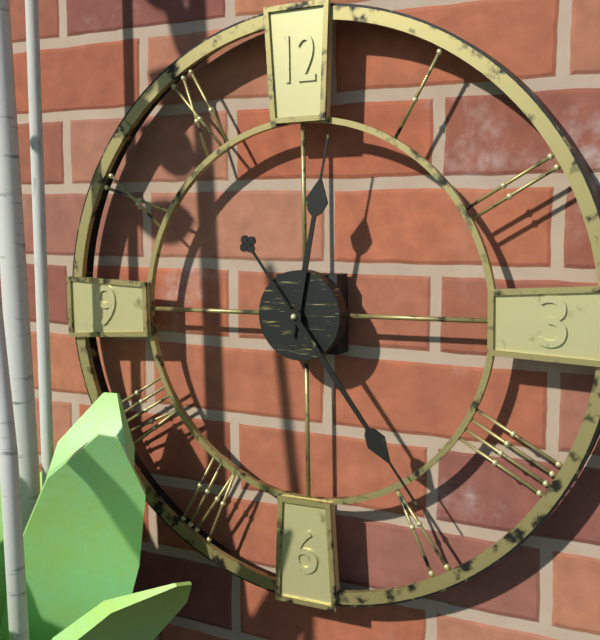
h=12 m=24
